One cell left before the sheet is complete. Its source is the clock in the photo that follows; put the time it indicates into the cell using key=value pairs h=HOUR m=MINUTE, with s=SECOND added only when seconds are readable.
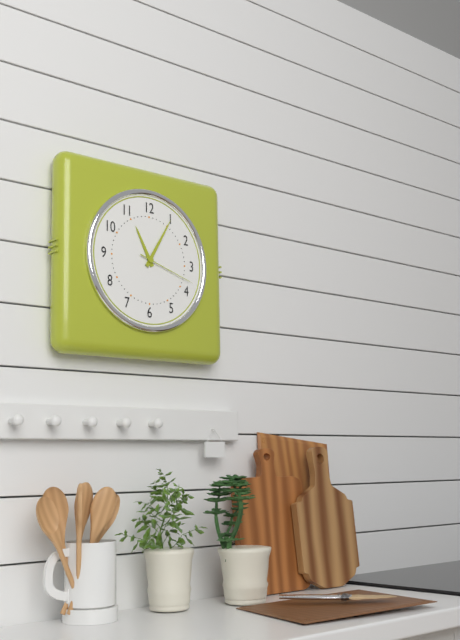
h=11 m=5 s=18
